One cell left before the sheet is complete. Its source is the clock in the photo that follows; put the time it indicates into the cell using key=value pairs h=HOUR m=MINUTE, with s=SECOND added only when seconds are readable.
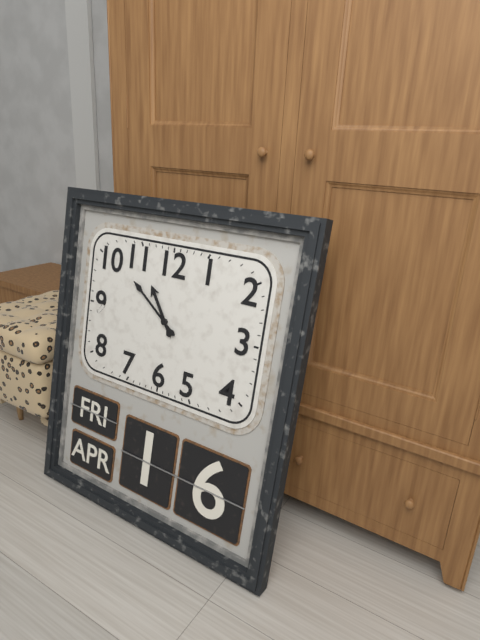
h=10 m=51
